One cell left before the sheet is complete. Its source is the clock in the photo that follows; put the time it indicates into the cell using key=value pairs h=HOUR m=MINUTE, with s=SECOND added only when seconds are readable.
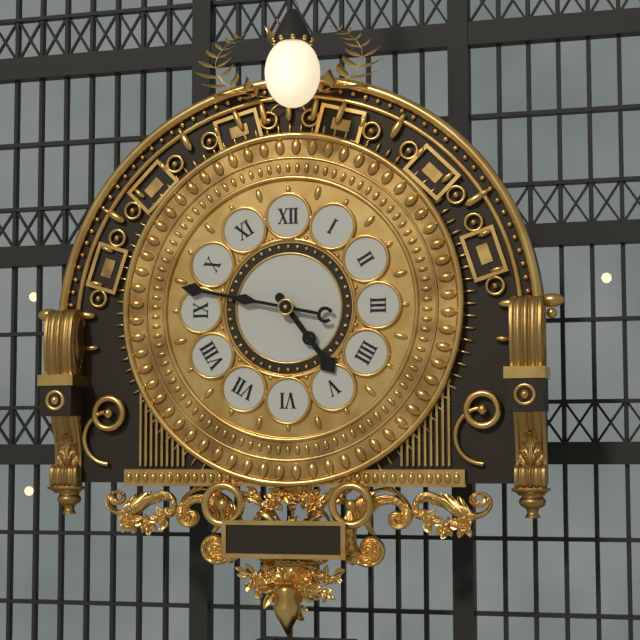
h=4 m=47
